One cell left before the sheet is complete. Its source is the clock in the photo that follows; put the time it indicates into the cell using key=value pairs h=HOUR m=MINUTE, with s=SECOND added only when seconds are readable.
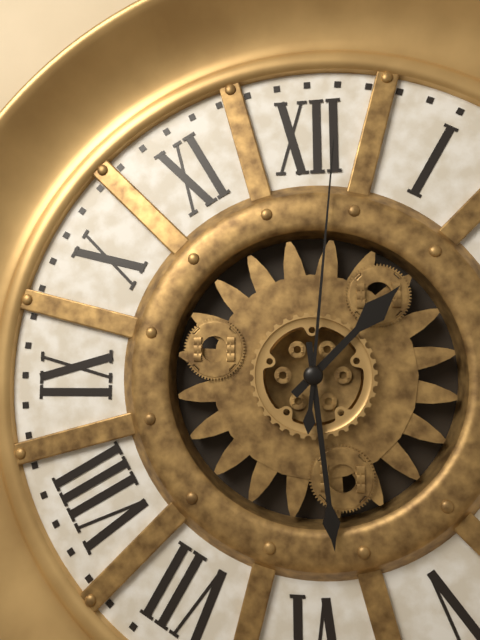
h=1 m=29 s=1
